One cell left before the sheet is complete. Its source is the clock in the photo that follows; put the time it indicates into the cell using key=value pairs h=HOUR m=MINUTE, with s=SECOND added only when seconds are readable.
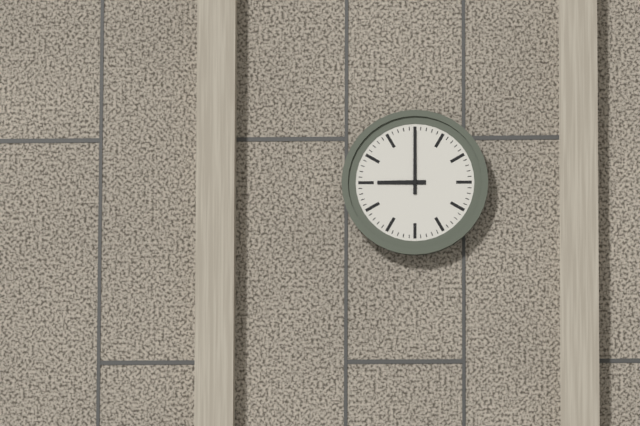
h=9 m=0
